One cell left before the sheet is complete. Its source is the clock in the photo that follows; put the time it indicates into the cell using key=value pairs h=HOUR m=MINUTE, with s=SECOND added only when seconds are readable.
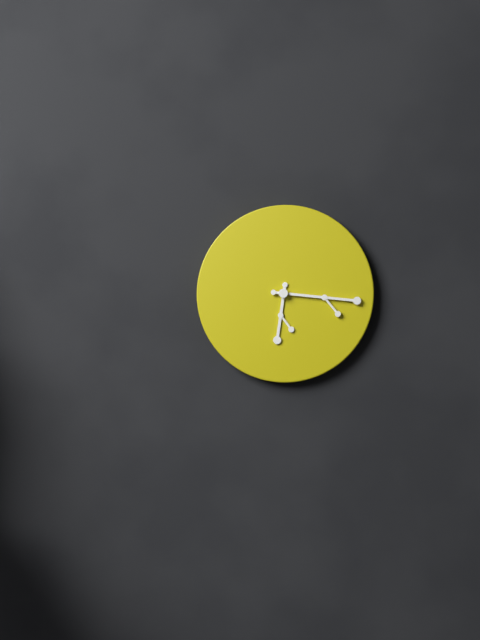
h=6 m=16
